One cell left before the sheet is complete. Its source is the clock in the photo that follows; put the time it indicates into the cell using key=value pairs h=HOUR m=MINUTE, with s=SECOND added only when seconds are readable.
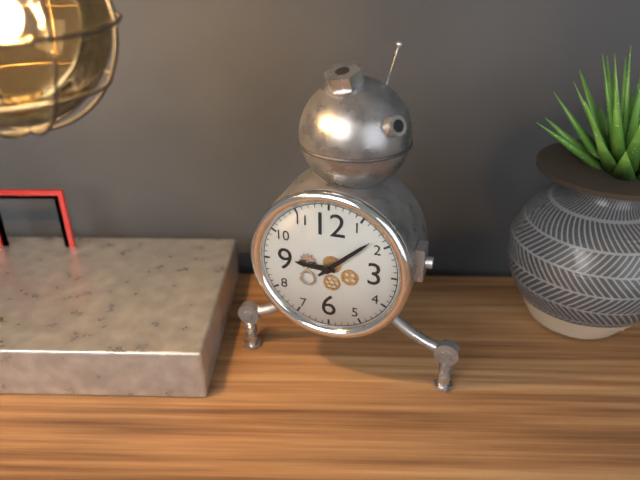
h=9 m=8
